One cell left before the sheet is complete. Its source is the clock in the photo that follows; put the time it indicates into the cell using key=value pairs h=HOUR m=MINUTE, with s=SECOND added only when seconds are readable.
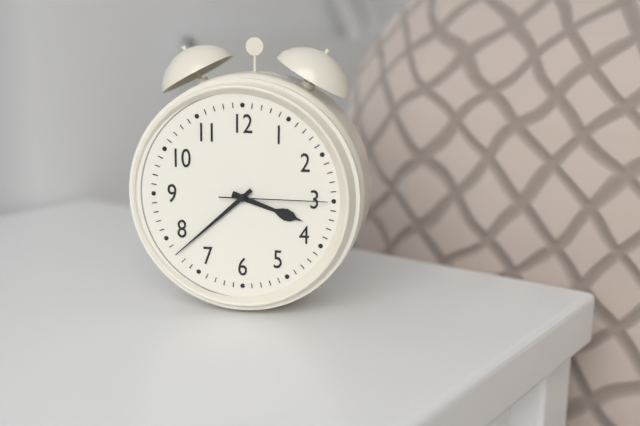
h=3 m=38 s=15
